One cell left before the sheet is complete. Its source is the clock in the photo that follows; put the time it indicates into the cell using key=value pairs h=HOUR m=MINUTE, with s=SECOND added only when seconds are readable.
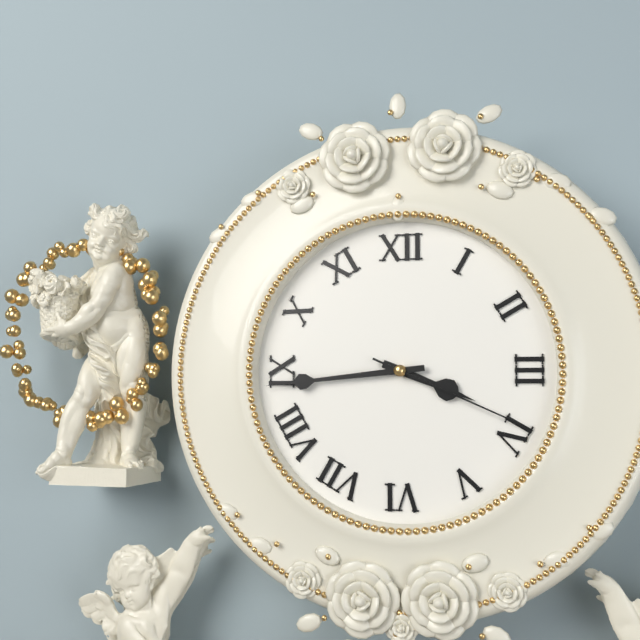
h=3 m=44 s=19
